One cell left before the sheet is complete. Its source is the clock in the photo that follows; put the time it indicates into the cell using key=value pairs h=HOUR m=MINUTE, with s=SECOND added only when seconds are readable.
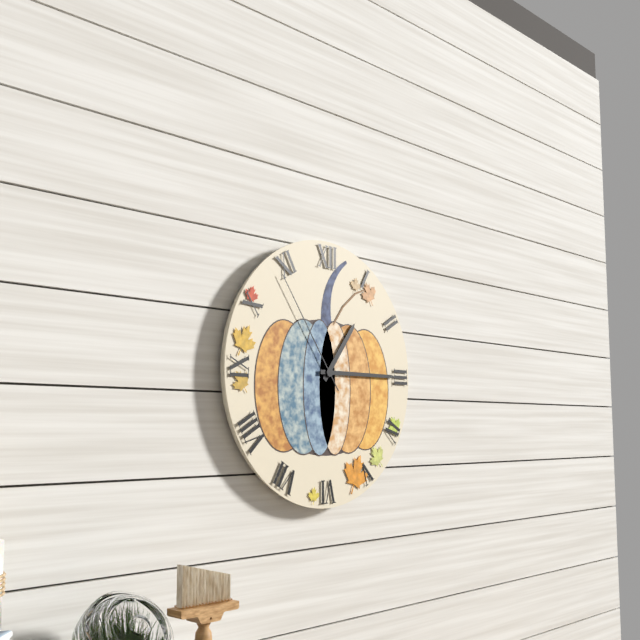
h=1 m=15 s=54
